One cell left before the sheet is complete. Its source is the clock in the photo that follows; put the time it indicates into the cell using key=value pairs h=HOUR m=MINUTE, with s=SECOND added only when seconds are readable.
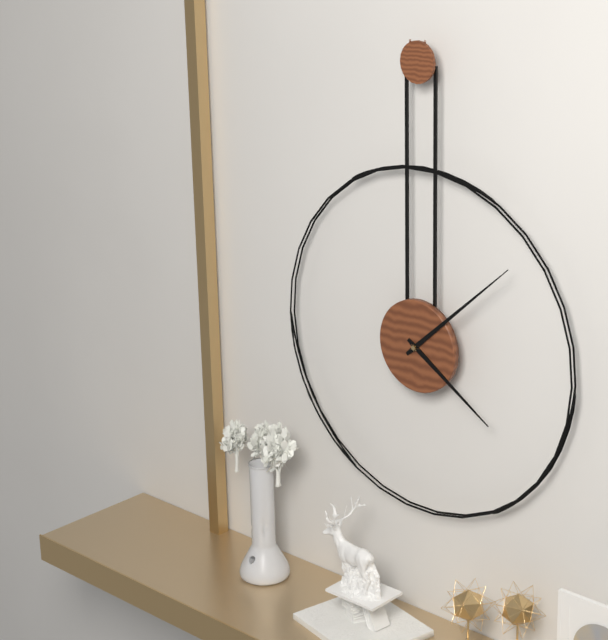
h=4 m=8
